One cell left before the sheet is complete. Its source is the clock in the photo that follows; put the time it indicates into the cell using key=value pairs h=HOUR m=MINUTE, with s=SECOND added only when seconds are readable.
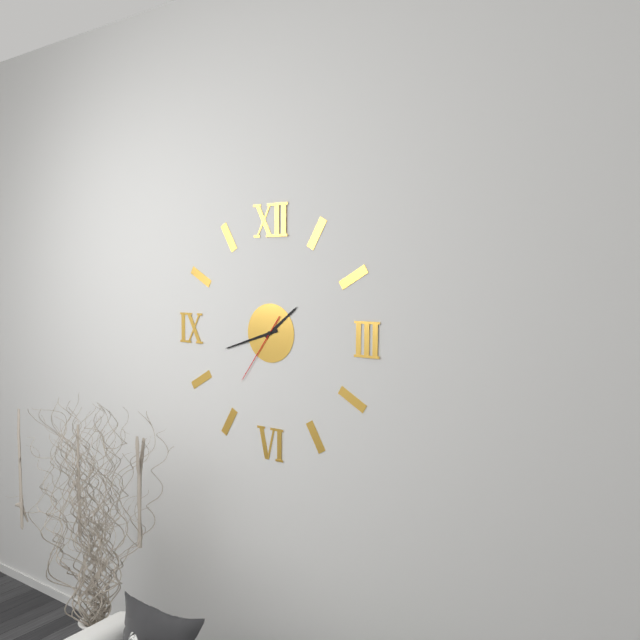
h=1 m=42 s=36
